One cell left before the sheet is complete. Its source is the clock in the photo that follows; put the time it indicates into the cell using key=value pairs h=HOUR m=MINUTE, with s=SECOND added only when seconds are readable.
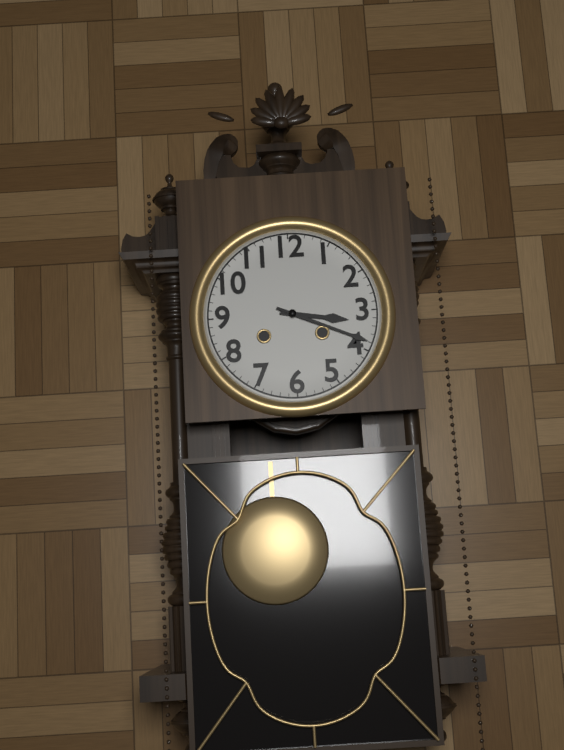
h=3 m=19
